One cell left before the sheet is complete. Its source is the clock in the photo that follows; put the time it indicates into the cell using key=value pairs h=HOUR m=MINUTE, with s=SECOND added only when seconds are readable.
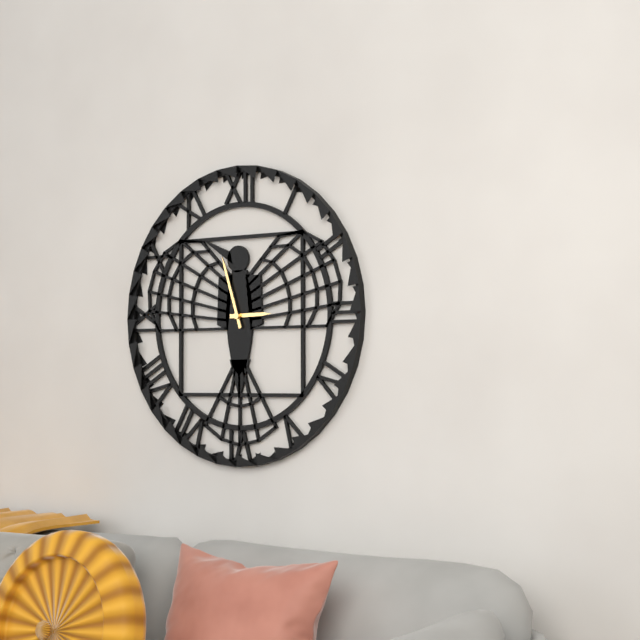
h=2 m=57
